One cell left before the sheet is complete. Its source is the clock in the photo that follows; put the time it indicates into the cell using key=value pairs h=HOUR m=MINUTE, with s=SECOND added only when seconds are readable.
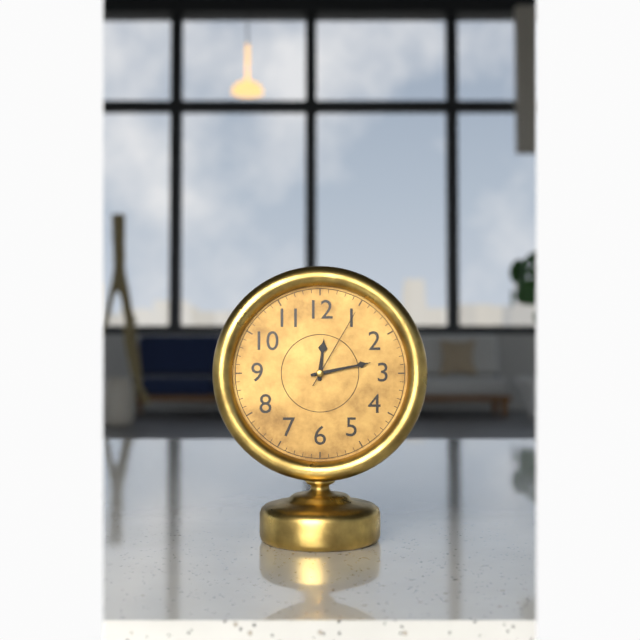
h=12 m=13 s=5
